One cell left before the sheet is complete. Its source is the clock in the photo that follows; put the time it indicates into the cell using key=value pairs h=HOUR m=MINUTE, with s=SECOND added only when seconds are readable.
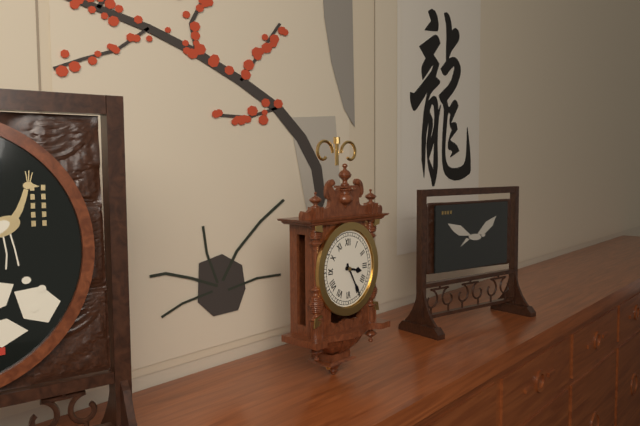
h=3 m=25
